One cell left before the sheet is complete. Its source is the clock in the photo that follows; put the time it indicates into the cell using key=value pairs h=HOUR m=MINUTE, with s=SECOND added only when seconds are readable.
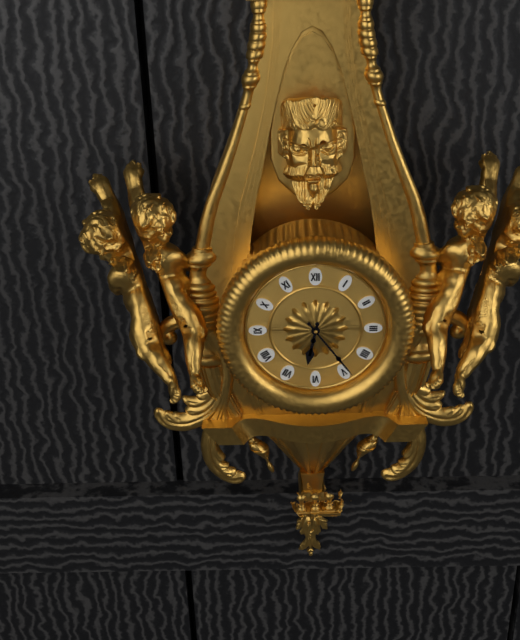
h=6 m=24
